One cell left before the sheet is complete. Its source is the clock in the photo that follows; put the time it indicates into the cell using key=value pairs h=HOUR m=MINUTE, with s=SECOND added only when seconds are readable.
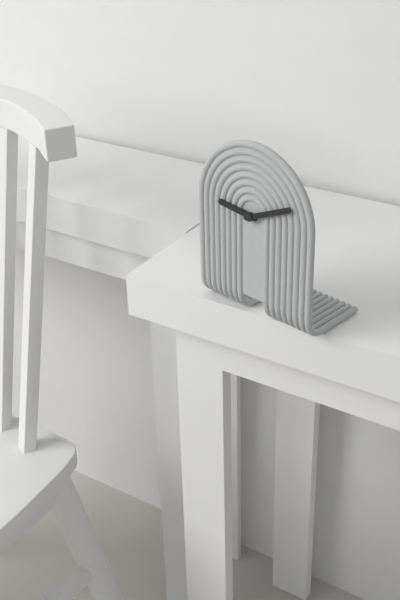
h=9 m=11
